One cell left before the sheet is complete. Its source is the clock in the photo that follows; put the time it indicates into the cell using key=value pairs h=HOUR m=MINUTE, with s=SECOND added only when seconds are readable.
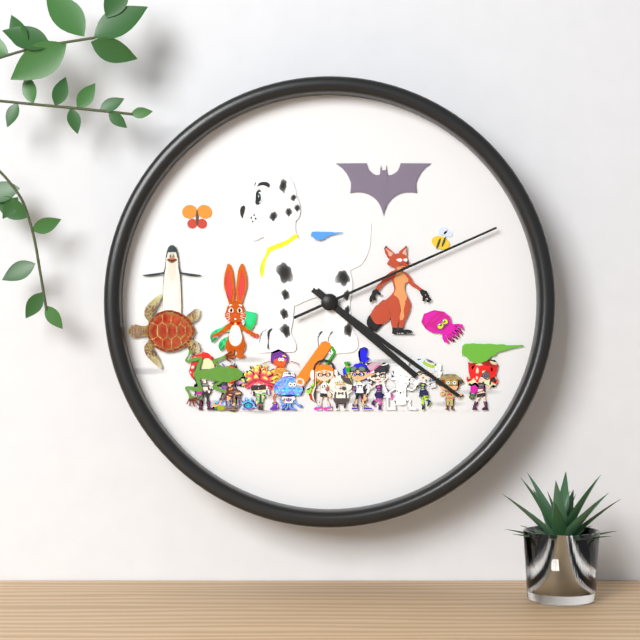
h=4 m=21 s=11
